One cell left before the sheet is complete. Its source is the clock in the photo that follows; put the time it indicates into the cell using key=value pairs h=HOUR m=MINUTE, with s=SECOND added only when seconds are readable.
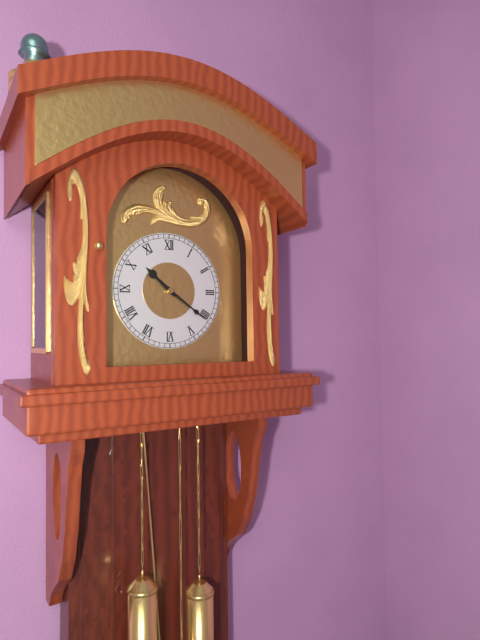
h=10 m=21
